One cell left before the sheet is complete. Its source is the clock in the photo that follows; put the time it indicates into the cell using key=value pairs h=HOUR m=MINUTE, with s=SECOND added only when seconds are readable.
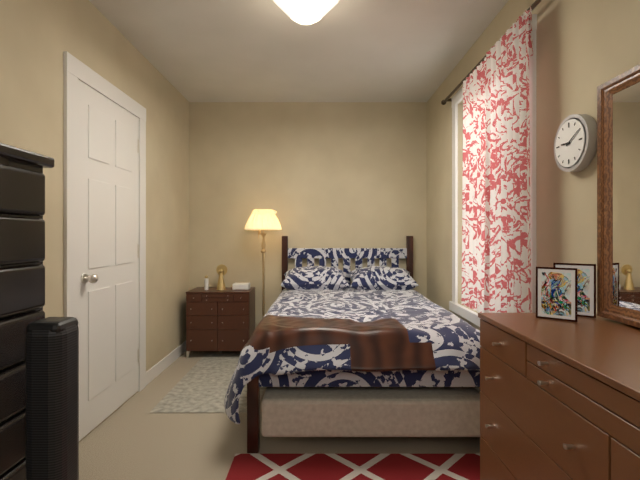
h=9 m=10
